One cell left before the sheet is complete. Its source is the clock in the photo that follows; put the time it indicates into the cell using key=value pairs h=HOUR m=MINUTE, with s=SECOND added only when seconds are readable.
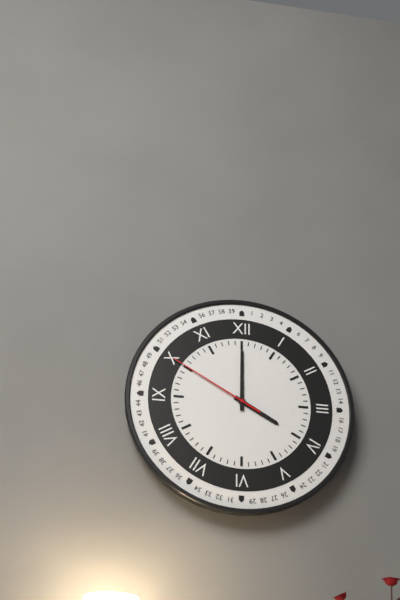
h=4 m=0 s=50
